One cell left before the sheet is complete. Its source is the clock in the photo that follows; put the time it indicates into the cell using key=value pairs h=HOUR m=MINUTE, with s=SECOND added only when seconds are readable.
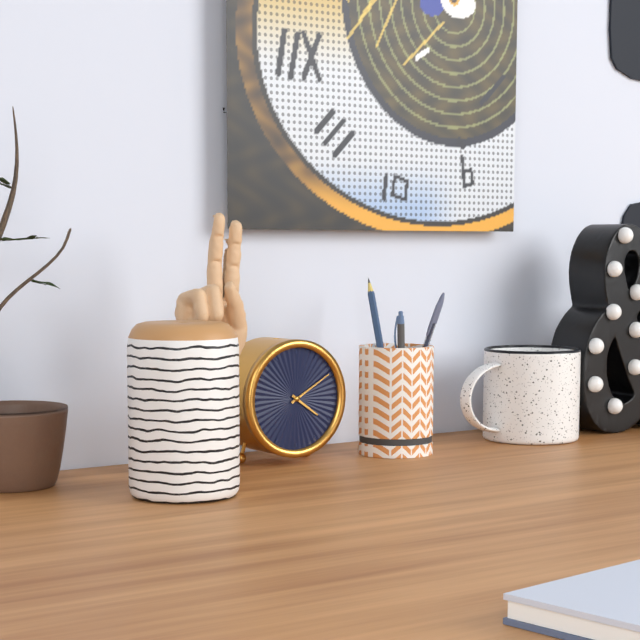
h=4 m=10
